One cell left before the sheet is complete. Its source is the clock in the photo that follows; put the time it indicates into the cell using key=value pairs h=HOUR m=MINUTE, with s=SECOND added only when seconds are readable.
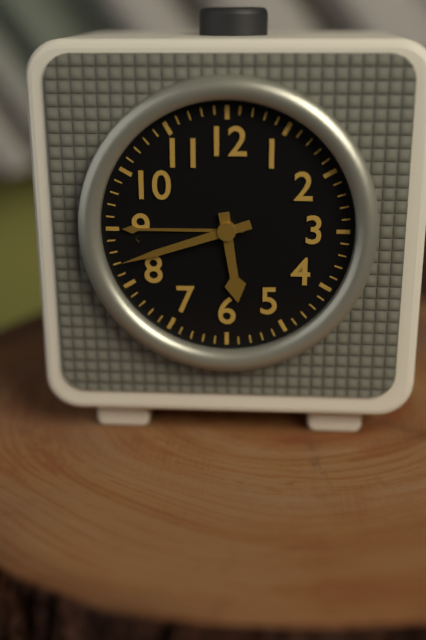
h=5 m=42
